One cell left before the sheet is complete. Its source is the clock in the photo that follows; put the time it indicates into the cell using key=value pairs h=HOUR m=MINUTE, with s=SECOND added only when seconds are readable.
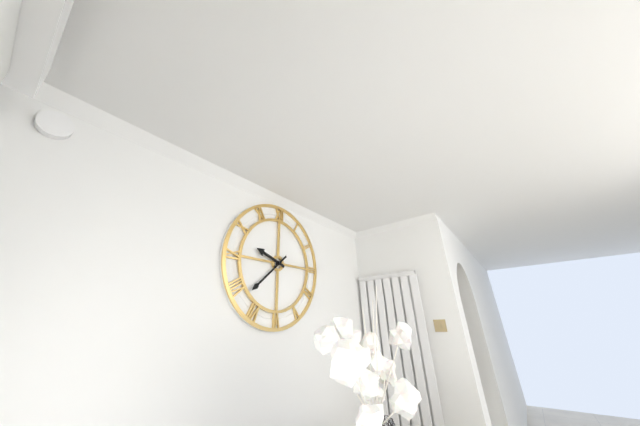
h=9 m=38
